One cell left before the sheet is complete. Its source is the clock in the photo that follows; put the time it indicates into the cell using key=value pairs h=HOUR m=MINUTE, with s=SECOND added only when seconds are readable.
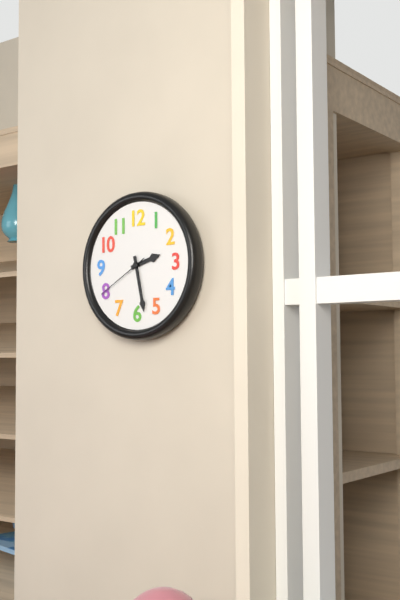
h=2 m=28 s=40
